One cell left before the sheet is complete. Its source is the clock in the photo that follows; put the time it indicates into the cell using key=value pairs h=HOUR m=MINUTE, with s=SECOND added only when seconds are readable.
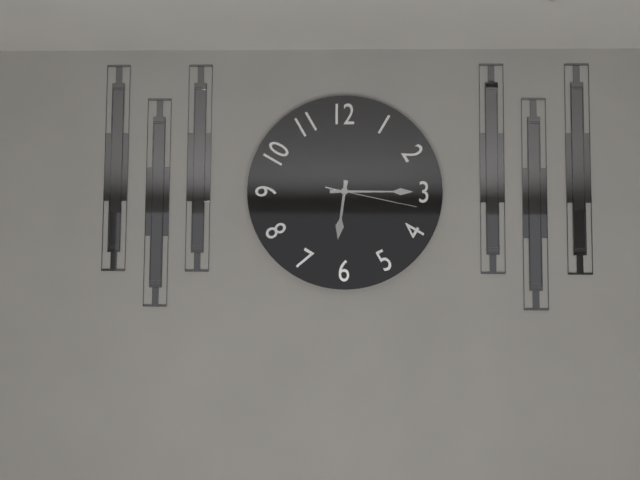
h=6 m=15 s=17
